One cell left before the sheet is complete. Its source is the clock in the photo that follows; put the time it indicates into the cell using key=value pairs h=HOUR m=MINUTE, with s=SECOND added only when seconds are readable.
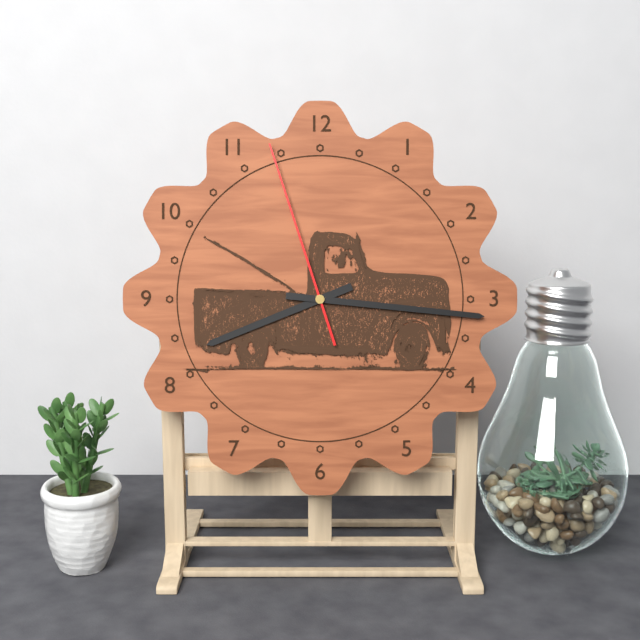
h=8 m=16 s=57
